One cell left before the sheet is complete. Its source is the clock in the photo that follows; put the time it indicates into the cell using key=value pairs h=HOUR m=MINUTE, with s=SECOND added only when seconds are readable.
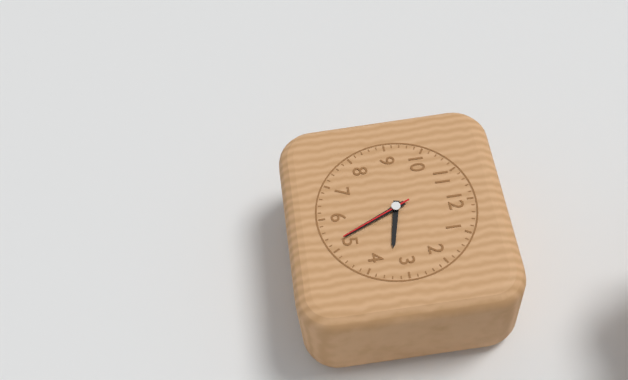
h=3 m=26 s=26
